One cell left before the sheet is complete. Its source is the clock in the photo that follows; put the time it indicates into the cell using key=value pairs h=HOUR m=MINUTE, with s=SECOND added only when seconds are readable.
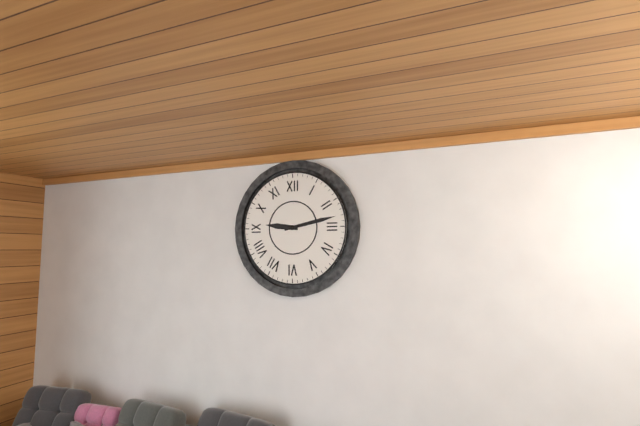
h=9 m=13
